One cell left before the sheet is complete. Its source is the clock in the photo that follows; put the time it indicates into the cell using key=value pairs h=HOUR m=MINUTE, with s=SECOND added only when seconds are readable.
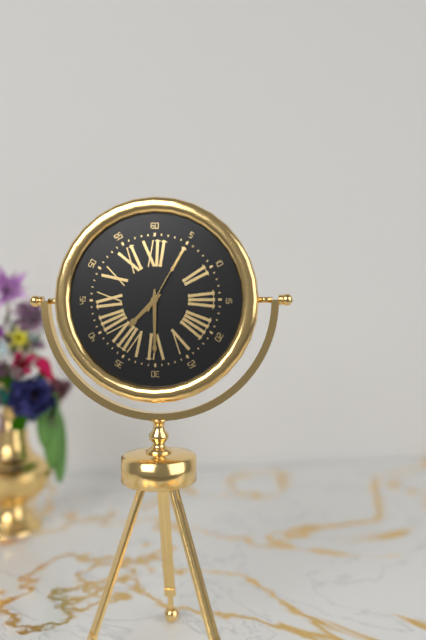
h=7 m=30 s=5
